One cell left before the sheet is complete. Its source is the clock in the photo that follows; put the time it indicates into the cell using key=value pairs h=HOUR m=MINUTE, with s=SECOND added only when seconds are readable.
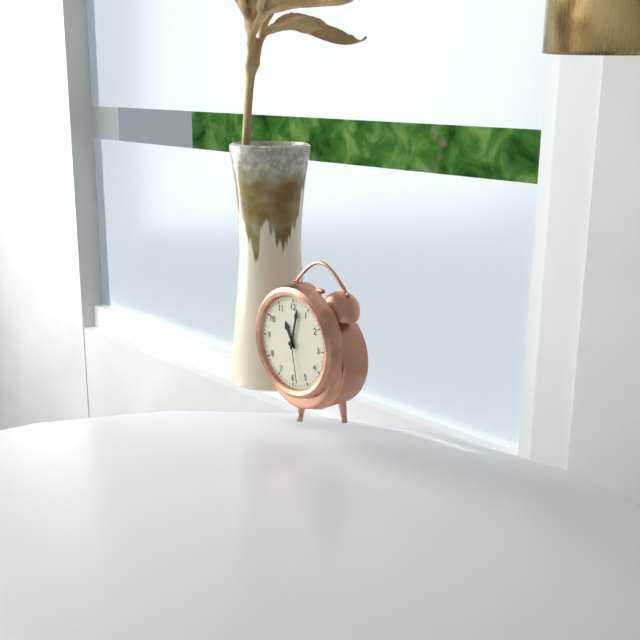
h=11 m=2 s=28
